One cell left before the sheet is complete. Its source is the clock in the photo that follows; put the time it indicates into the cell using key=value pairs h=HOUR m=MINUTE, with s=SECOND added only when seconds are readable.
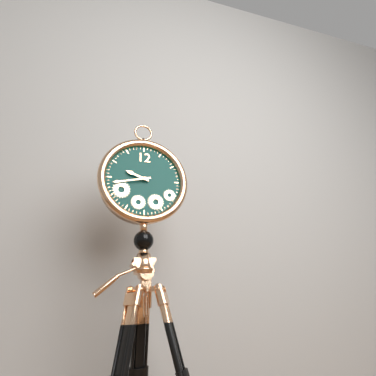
h=9 m=43
